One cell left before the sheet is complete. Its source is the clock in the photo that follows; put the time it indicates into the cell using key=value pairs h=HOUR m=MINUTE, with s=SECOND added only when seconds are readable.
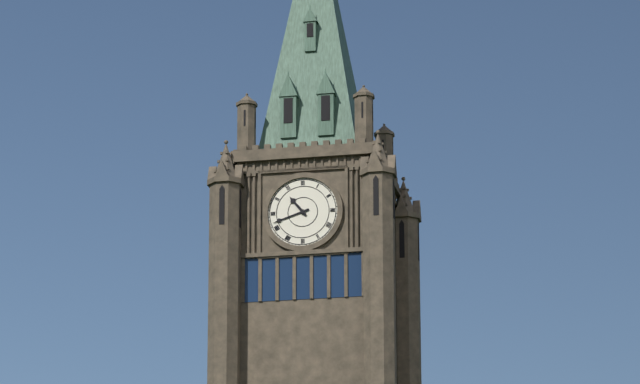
h=10 m=42
